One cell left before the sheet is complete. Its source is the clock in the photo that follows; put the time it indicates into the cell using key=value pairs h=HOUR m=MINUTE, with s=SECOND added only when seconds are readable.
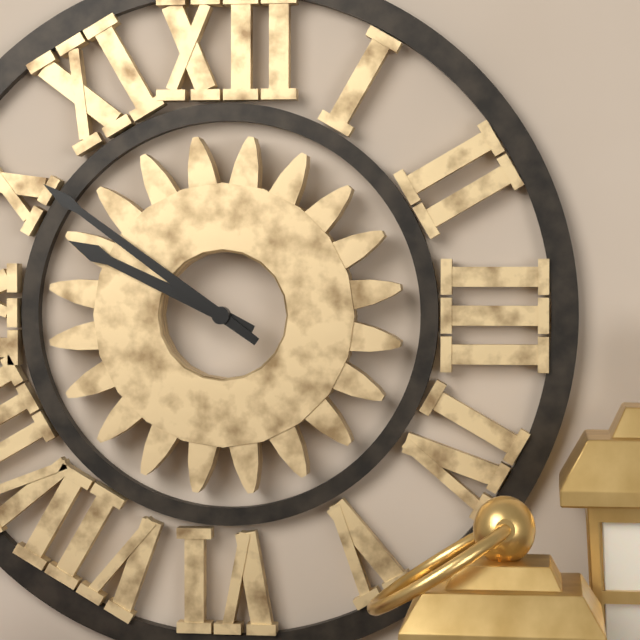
h=9 m=51
